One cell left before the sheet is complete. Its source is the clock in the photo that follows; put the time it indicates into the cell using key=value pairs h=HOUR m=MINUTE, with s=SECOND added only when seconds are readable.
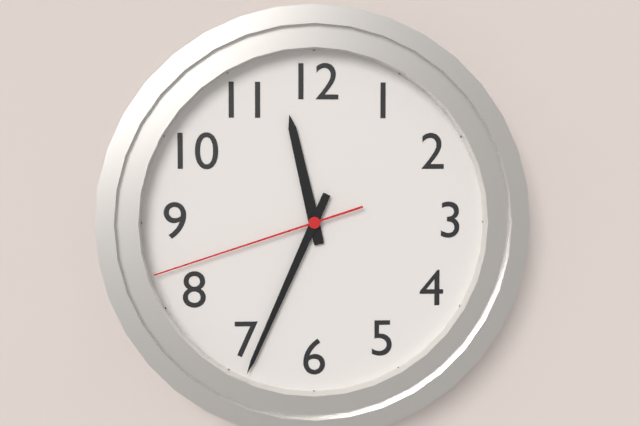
h=11 m=34 s=42
